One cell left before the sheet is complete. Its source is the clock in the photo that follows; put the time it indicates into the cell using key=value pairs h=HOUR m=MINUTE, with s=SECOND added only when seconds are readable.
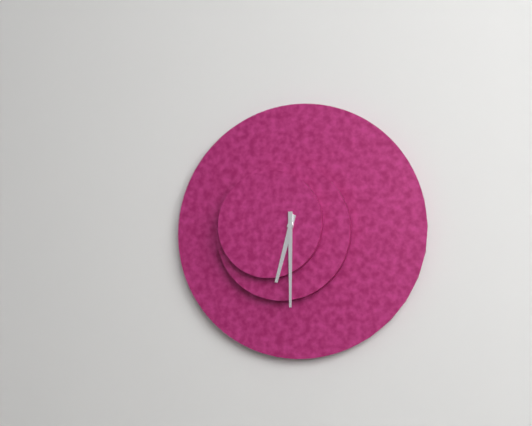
h=6 m=30
